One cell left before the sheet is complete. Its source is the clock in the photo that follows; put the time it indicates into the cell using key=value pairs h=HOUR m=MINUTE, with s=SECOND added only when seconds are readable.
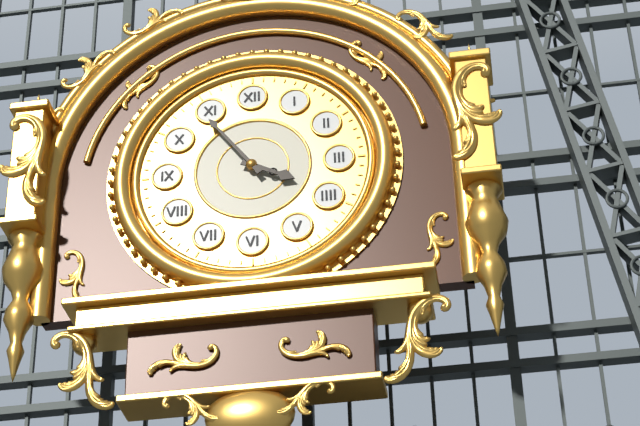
h=3 m=54
